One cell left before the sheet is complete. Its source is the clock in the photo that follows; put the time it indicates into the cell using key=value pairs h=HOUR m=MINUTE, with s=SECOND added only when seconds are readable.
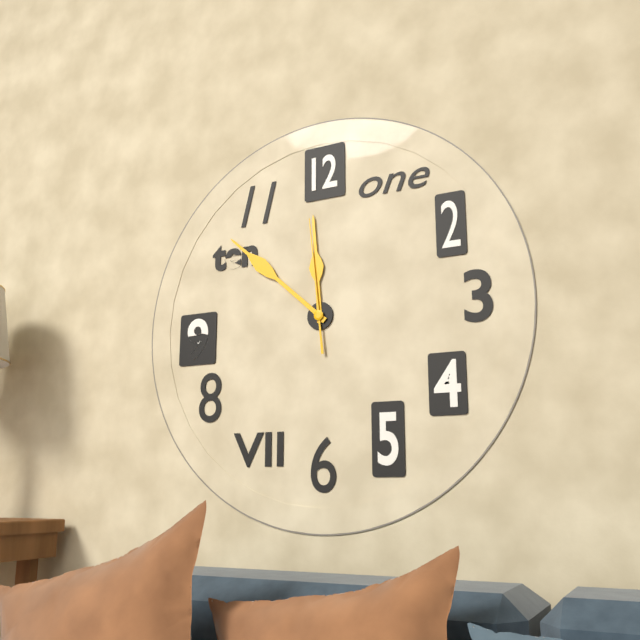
h=11 m=52 s=59
